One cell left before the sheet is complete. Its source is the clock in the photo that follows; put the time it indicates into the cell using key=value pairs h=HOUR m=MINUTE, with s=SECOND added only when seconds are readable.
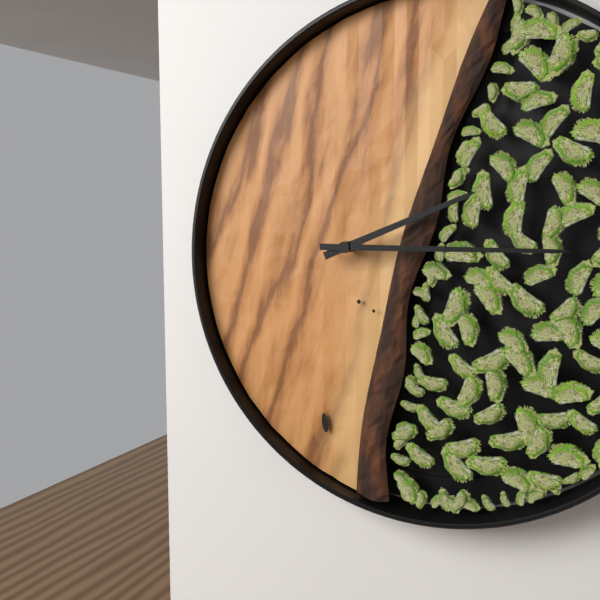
h=2 m=15
